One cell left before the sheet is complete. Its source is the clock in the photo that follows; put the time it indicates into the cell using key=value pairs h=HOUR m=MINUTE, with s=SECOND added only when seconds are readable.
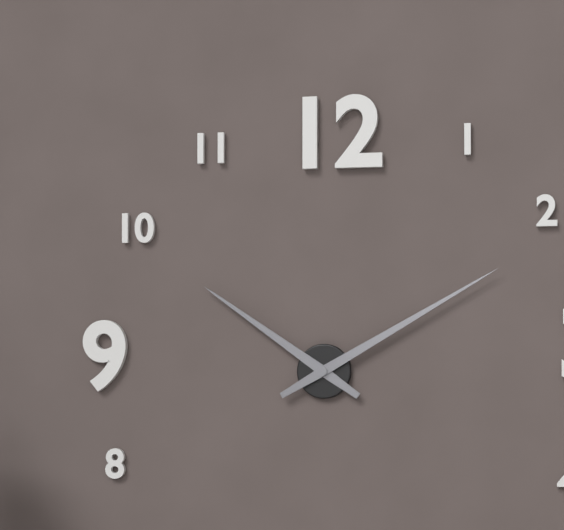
h=10 m=10
